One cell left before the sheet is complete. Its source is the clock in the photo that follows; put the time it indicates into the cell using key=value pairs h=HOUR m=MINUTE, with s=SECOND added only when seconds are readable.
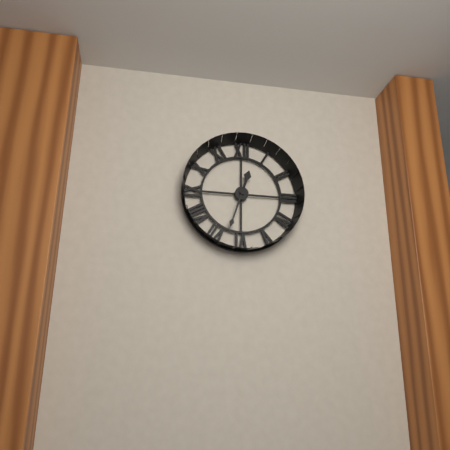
h=12 m=33
